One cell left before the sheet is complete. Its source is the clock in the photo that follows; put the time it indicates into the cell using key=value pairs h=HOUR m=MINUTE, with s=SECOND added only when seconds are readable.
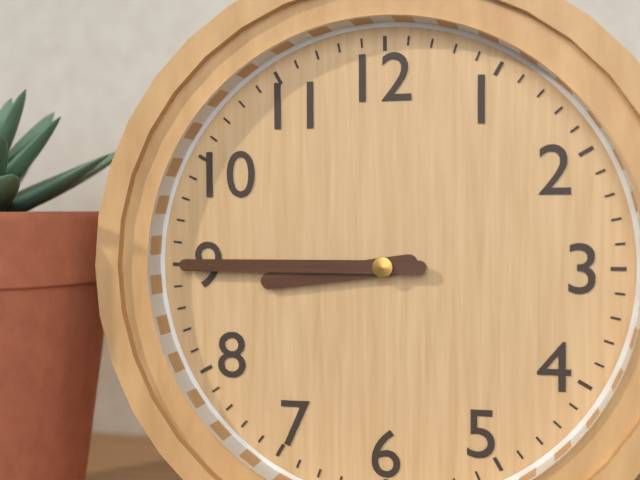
h=8 m=45
